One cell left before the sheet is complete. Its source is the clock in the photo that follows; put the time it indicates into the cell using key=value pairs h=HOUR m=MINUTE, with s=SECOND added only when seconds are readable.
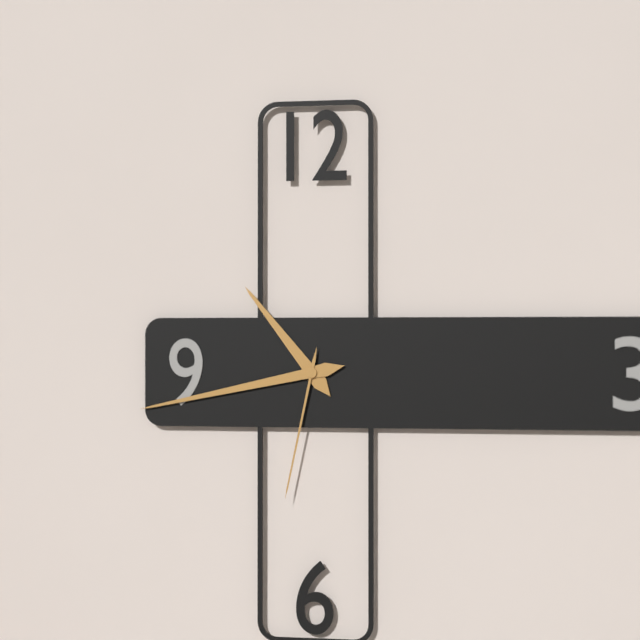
h=10 m=43 s=32
